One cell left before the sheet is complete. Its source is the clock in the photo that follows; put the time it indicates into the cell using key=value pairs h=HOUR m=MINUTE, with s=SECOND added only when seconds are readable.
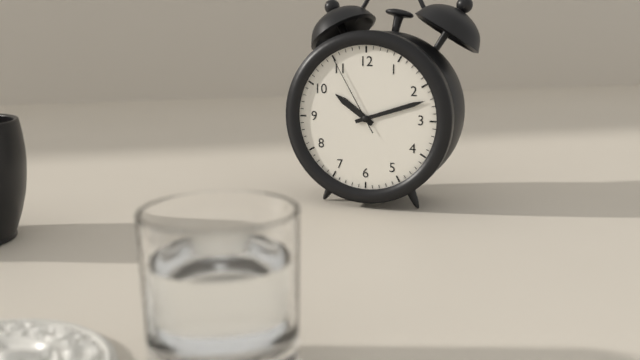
h=10 m=12 s=55
